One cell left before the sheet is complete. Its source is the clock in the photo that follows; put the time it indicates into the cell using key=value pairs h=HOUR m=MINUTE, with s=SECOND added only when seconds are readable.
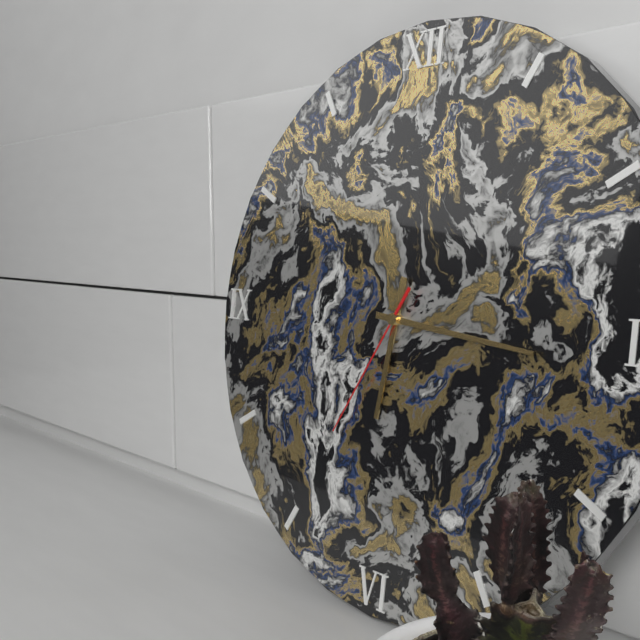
h=6 m=16 s=35
